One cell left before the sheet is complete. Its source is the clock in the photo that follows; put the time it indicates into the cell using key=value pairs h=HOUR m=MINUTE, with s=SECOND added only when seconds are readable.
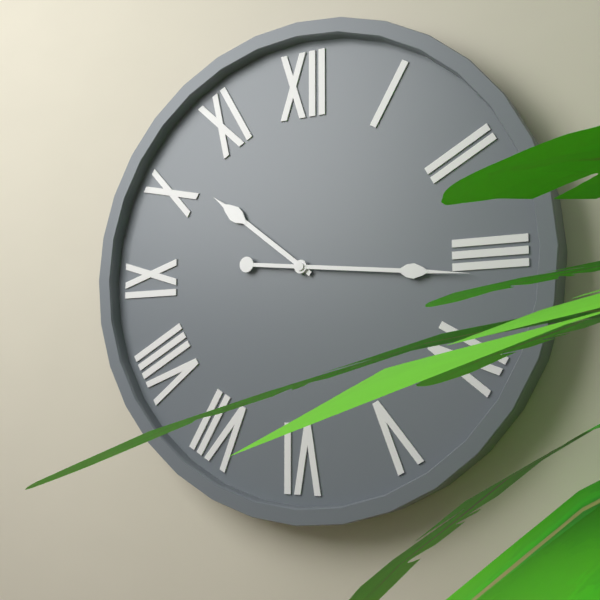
h=10 m=16
